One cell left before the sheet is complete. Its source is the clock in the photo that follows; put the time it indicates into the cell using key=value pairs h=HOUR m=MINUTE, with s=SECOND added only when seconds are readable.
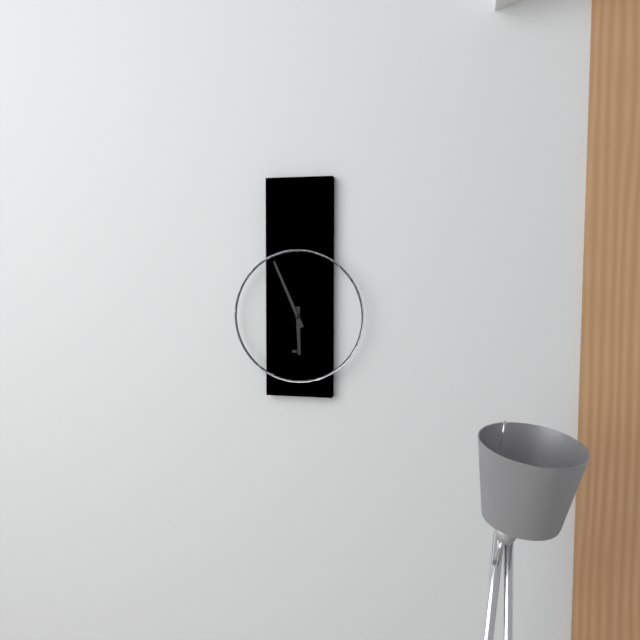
h=5 m=56
